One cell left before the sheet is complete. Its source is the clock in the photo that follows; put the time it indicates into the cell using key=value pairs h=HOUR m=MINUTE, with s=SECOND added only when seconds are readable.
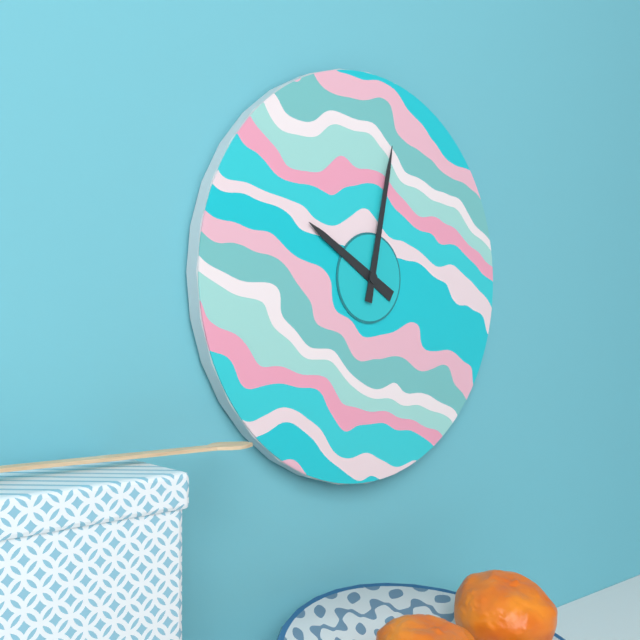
h=10 m=2
